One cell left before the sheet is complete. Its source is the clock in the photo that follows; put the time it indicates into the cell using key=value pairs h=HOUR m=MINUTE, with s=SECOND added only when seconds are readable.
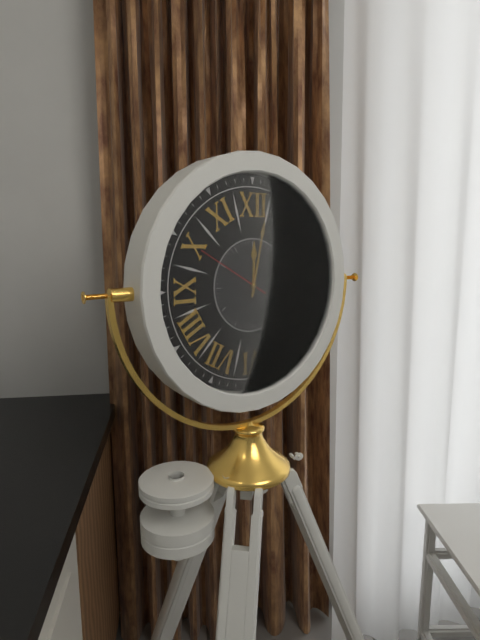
h=12 m=2 s=50
